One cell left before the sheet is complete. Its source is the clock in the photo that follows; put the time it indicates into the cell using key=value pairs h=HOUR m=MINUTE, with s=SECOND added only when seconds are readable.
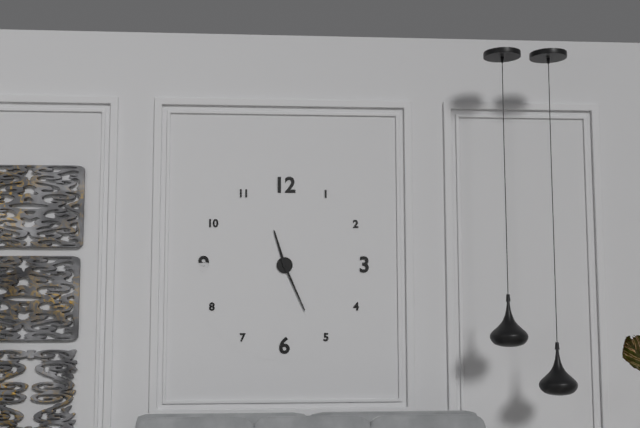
h=11 m=26
